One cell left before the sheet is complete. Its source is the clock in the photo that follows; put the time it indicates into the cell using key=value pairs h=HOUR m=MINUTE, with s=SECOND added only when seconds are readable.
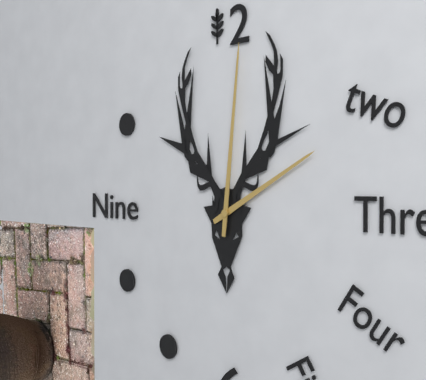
h=2 m=1
